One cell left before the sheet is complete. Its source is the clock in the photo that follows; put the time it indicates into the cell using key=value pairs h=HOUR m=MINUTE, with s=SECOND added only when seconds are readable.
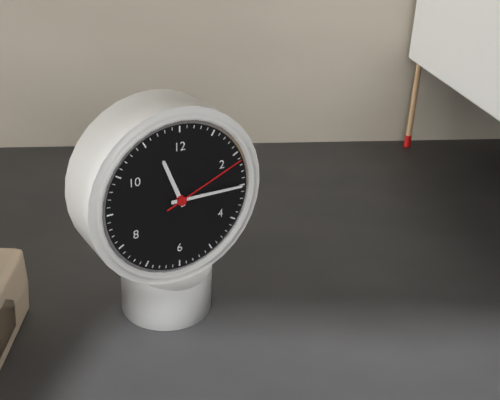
h=11 m=15 s=11
